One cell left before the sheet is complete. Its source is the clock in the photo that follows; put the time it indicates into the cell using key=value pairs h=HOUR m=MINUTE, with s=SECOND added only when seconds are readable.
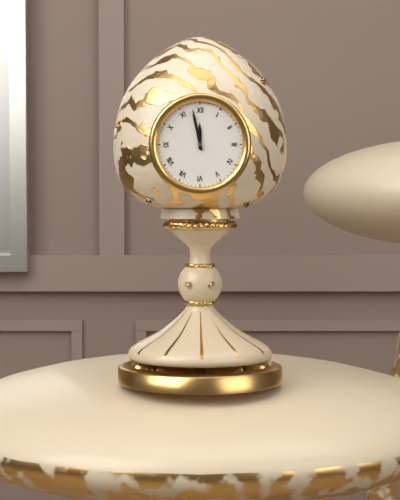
h=11 m=58
